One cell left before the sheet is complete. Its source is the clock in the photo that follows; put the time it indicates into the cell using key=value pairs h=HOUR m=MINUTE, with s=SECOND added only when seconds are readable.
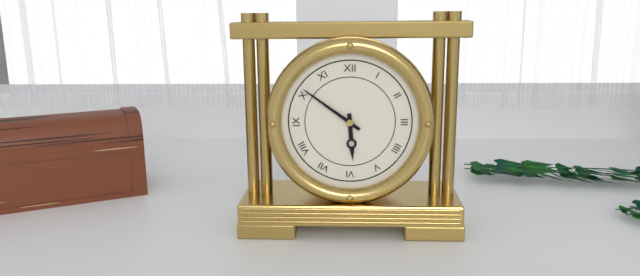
h=5 m=51
